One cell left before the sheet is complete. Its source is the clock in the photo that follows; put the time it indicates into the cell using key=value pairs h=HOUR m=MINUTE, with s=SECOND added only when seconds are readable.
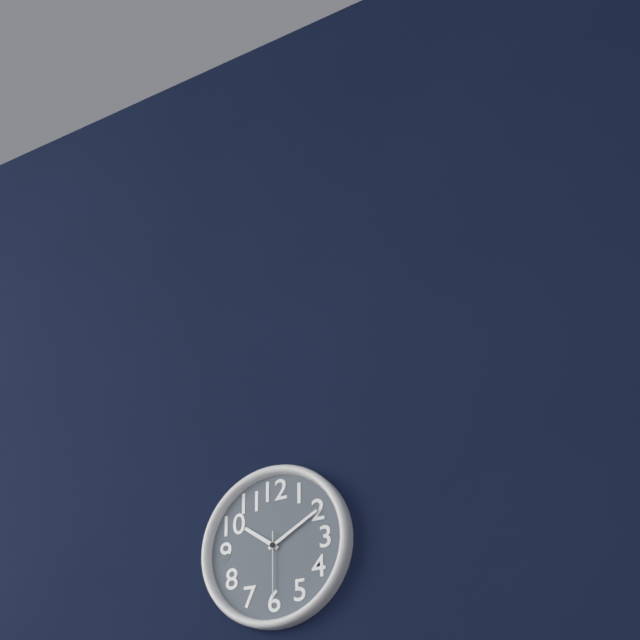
h=10 m=10 s=30
